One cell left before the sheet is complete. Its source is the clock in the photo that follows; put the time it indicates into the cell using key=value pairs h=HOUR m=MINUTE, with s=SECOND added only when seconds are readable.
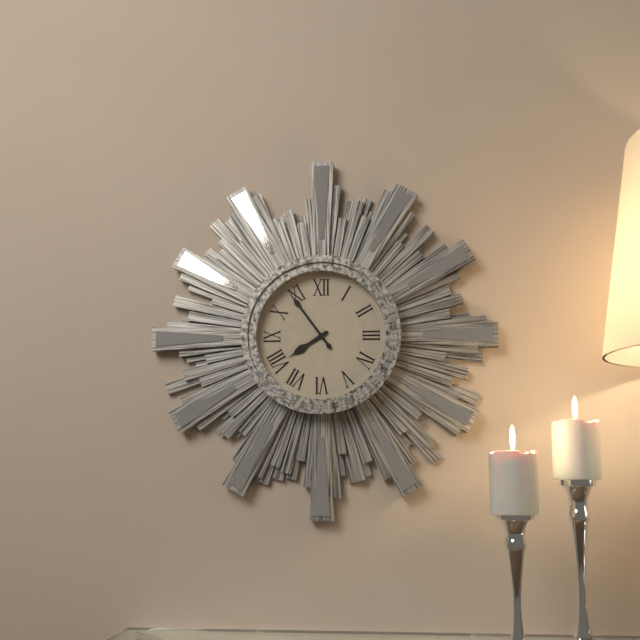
h=7 m=54
